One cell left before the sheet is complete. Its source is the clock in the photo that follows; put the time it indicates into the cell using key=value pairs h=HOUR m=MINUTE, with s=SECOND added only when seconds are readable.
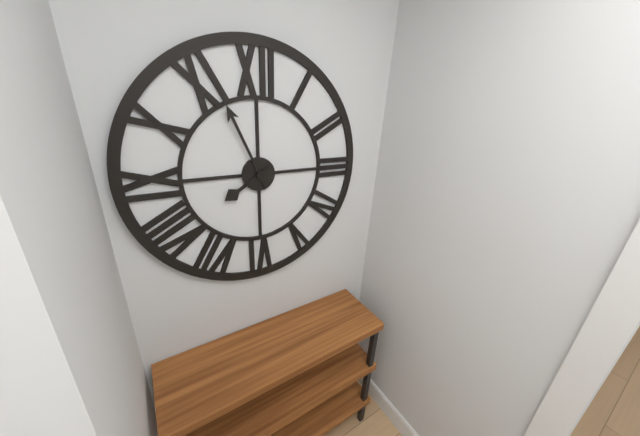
h=7 m=56
